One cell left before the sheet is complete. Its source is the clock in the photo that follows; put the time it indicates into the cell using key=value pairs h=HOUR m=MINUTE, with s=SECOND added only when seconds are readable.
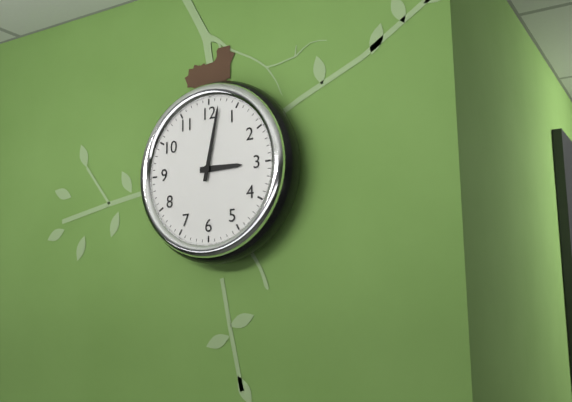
h=3 m=2
